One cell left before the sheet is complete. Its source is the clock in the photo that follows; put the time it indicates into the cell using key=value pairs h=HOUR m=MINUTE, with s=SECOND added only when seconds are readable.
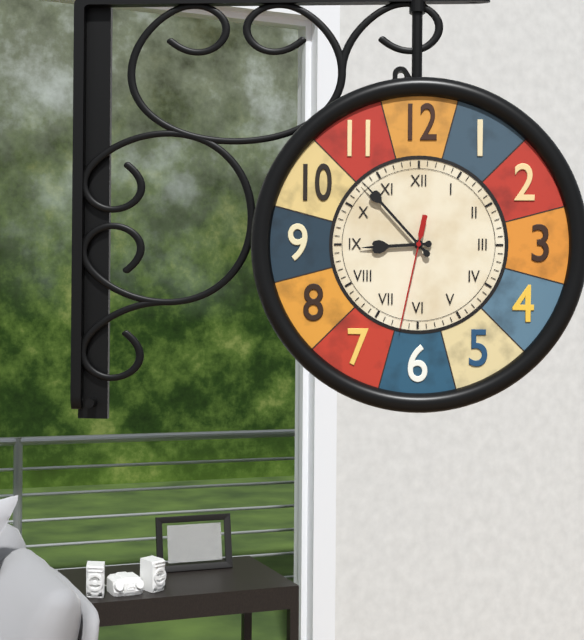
h=8 m=53 s=32
